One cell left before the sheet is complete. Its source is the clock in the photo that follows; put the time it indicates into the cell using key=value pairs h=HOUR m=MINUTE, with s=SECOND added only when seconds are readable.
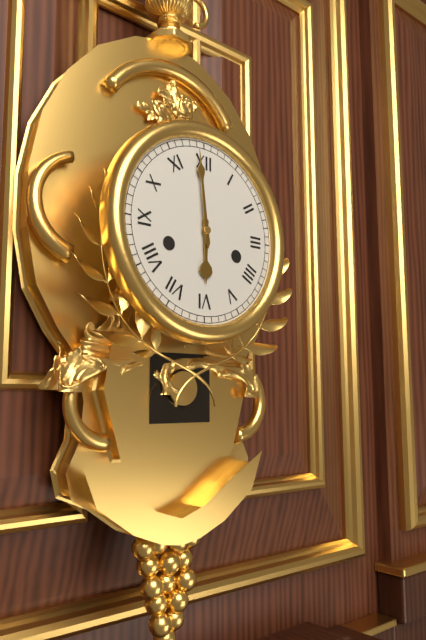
h=5 m=59
